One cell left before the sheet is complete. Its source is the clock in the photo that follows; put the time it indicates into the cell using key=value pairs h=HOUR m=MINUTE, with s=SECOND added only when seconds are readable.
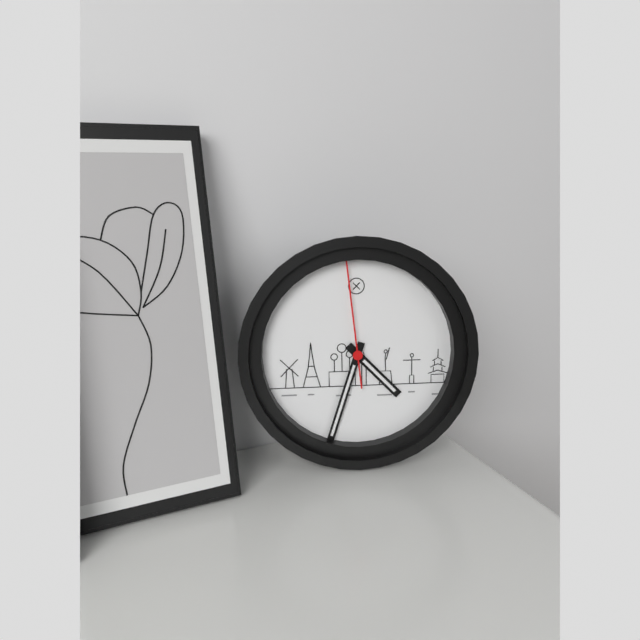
h=4 m=33 s=59
